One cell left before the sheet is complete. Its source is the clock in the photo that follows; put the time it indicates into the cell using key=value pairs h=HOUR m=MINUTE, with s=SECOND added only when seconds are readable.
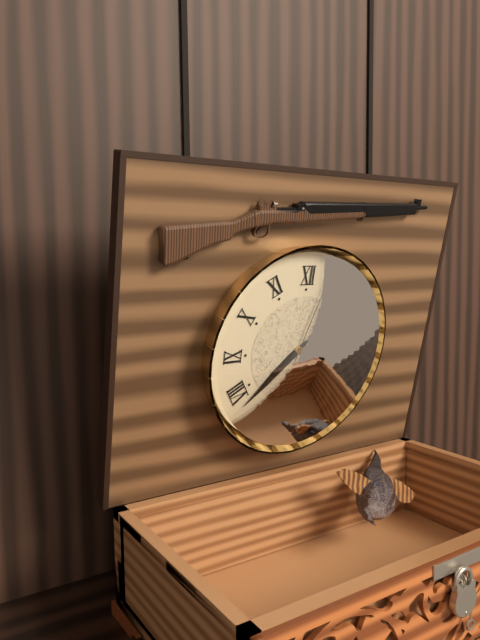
h=7 m=38 s=3
